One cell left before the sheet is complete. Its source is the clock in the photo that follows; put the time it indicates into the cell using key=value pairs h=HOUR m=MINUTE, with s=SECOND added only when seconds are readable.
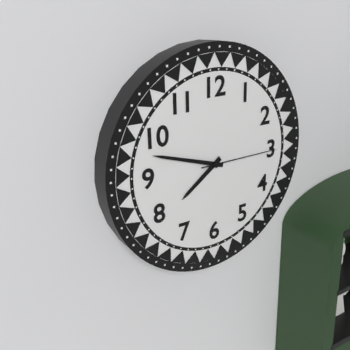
h=7 m=48 s=15
